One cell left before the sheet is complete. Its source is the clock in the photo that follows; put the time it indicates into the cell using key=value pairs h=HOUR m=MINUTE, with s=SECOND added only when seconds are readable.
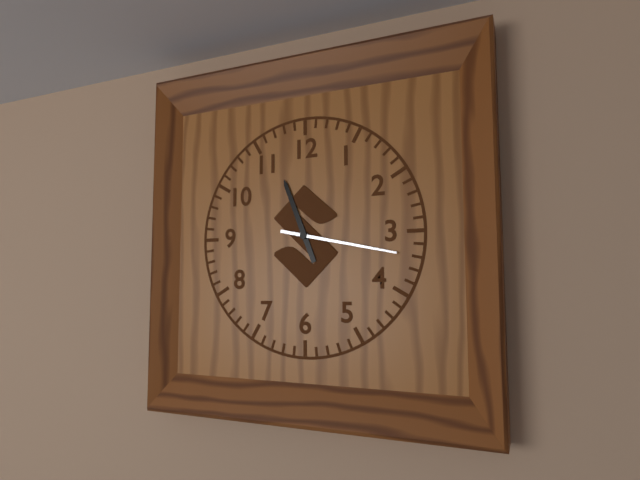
h=11 m=17 s=17
